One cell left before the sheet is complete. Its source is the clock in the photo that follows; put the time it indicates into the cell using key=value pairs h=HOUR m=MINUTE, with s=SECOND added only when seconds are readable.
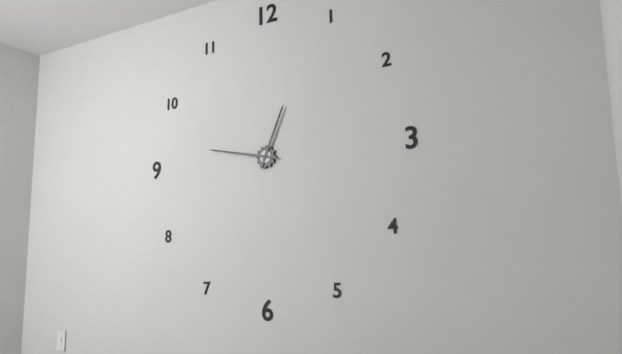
h=12 m=47
